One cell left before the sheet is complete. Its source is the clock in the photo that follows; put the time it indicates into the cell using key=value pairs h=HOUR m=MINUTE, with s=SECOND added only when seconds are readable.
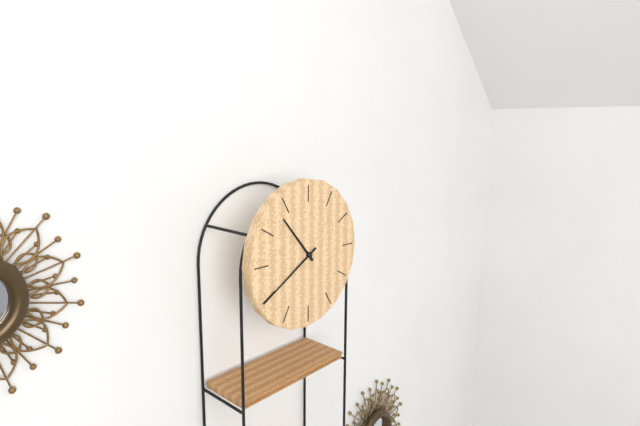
h=10 m=40
